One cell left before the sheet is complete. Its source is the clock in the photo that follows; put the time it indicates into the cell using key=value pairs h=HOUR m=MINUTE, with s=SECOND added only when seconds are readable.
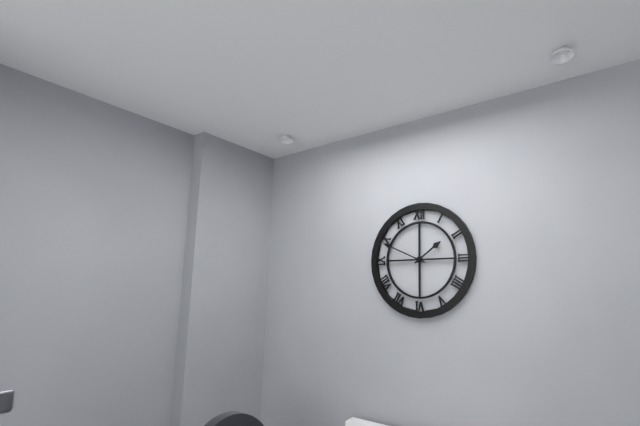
h=1 m=49
